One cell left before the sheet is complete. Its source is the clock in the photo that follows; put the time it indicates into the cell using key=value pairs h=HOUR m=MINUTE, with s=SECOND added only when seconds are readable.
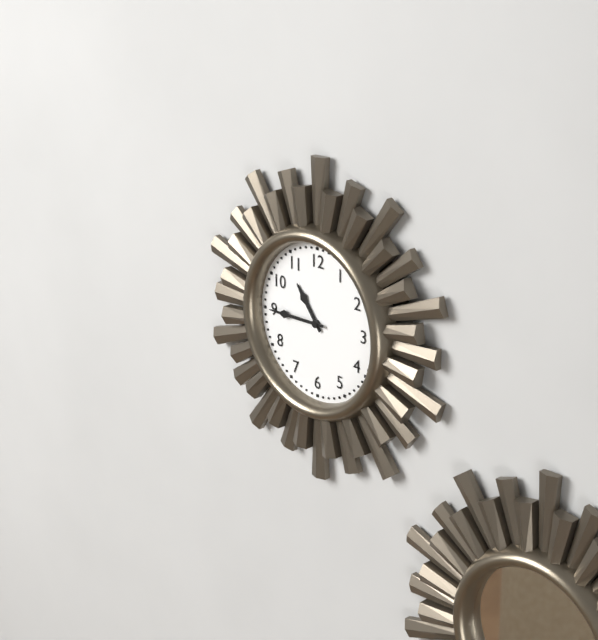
h=10 m=45
